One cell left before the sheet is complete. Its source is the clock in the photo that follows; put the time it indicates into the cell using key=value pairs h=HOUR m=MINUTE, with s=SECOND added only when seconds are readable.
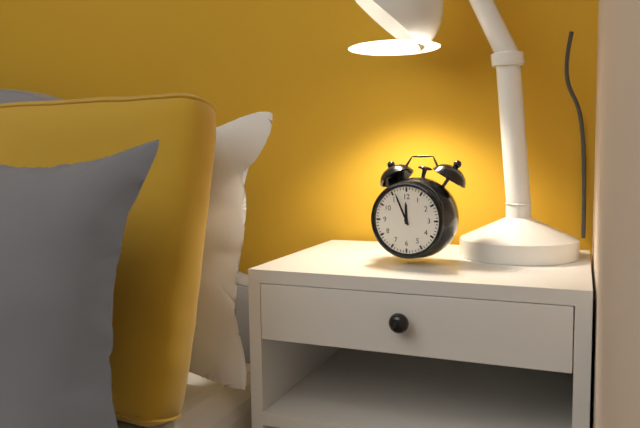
h=11 m=56
